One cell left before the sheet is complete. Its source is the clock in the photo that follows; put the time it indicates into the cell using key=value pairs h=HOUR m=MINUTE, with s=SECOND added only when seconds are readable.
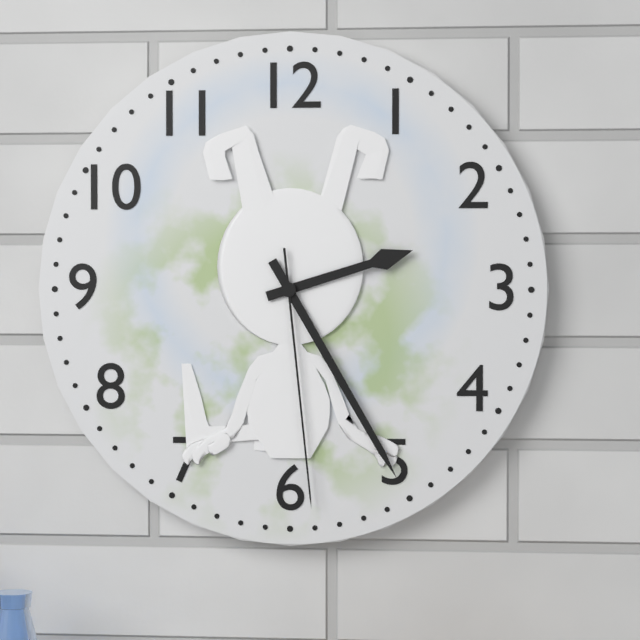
h=2 m=25 s=29
